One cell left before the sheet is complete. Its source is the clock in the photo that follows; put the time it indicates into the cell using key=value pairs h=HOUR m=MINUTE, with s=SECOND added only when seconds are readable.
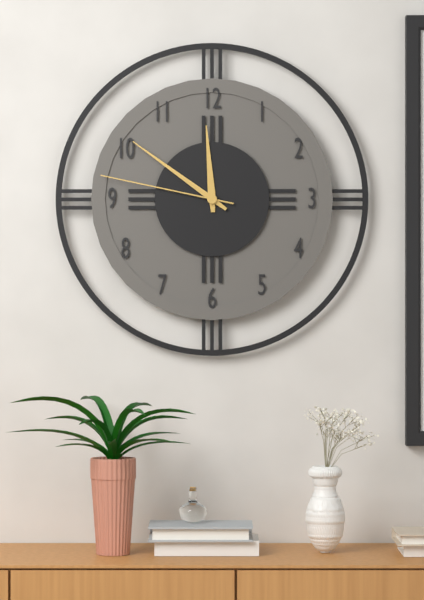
h=11 m=51 s=47
